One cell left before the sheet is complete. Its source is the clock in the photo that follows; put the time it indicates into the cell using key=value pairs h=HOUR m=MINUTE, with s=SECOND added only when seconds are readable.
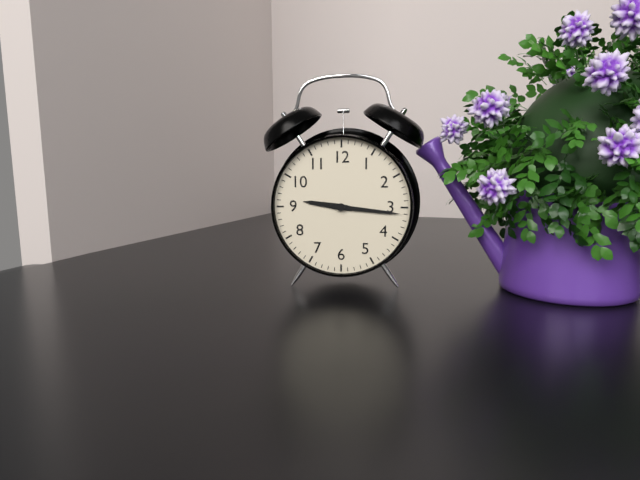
h=9 m=16
